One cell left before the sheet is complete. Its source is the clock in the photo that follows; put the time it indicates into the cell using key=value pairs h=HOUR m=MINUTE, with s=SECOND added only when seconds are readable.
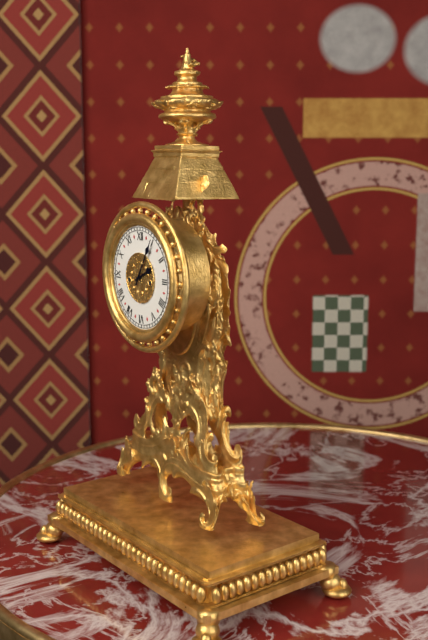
h=2 m=5
